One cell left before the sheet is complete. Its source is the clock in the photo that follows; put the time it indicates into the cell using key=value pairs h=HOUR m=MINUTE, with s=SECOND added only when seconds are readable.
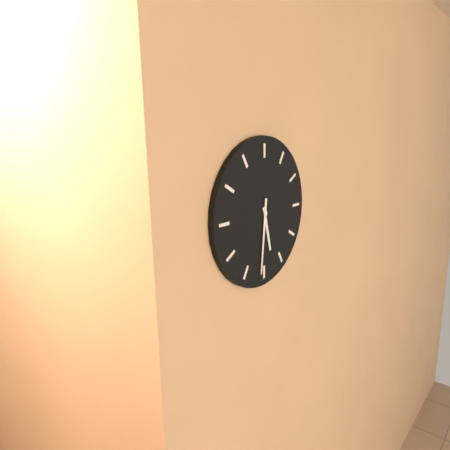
h=5 m=31
